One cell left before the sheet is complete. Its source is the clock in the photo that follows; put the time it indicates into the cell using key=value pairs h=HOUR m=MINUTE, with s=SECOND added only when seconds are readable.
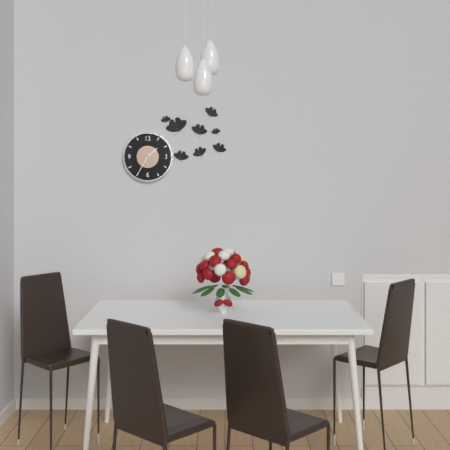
h=1 m=35
